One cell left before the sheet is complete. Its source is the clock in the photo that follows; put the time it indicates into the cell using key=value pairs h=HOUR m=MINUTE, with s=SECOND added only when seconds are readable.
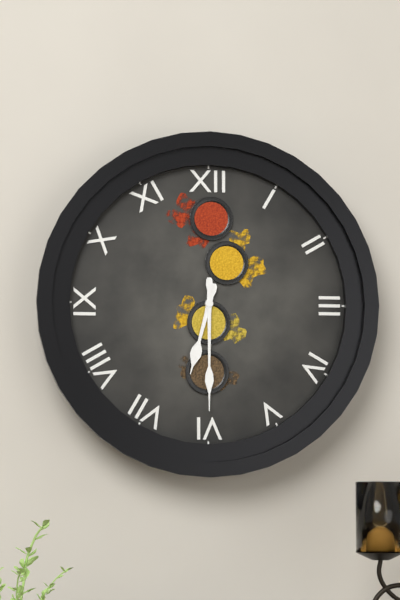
h=6 m=30
